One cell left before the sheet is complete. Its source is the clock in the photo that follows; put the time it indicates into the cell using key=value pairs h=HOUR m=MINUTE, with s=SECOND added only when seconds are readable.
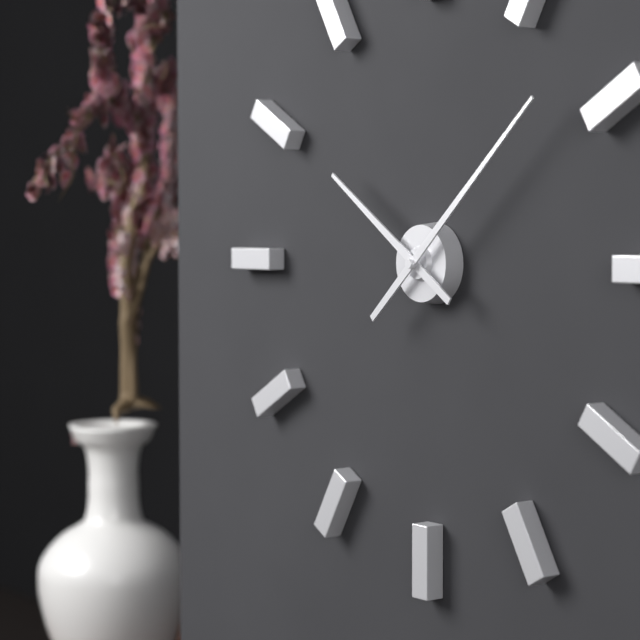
h=10 m=8
